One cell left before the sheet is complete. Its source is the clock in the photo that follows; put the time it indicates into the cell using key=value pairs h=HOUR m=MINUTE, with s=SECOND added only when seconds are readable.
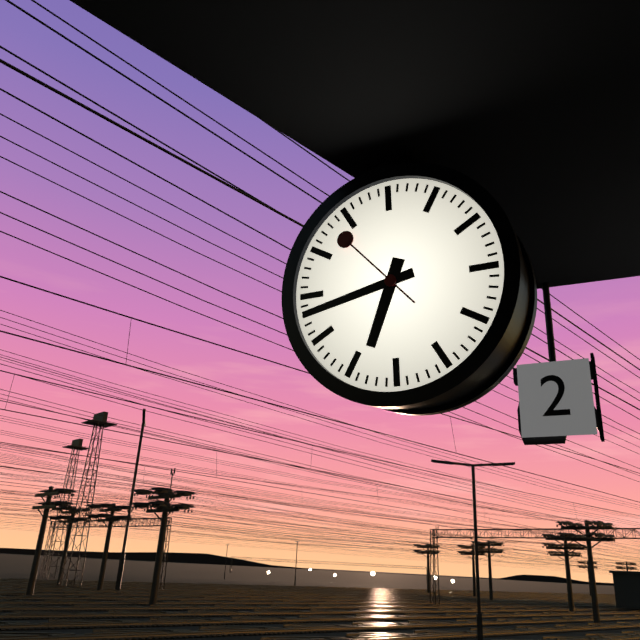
h=6 m=43 s=53
